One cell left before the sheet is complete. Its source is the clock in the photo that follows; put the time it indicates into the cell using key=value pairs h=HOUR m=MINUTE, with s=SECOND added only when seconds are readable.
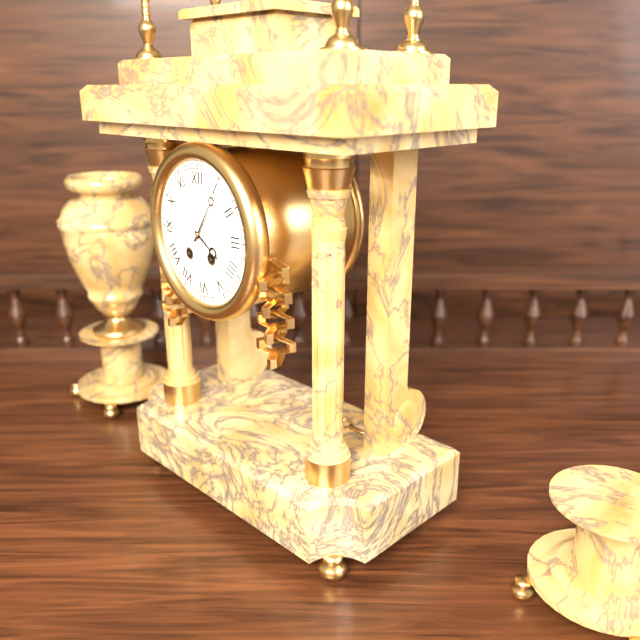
h=4 m=6
